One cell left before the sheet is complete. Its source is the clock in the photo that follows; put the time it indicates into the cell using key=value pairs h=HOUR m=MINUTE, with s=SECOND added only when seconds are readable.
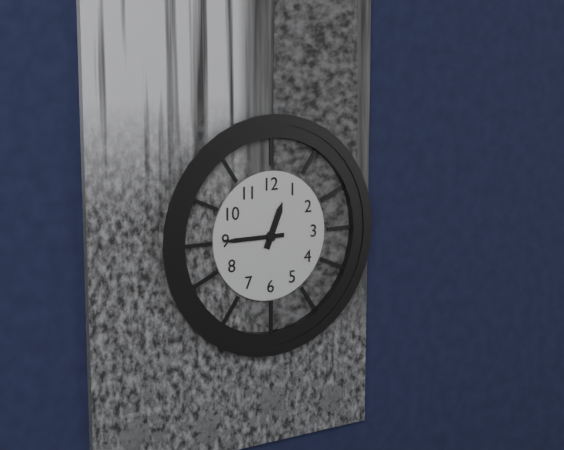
h=12 m=45
